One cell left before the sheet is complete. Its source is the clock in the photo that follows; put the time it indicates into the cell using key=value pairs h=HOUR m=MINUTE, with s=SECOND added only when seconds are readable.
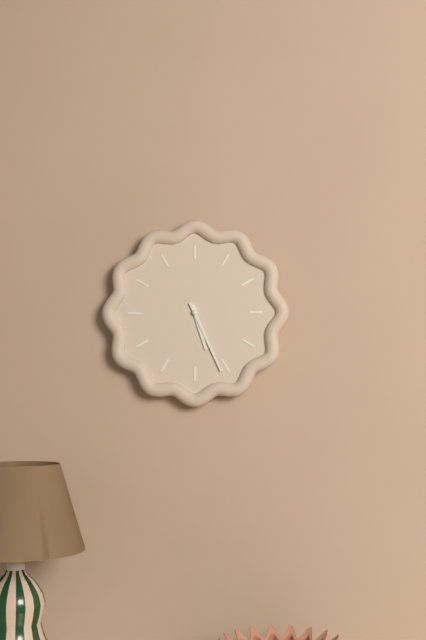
h=5 m=26
